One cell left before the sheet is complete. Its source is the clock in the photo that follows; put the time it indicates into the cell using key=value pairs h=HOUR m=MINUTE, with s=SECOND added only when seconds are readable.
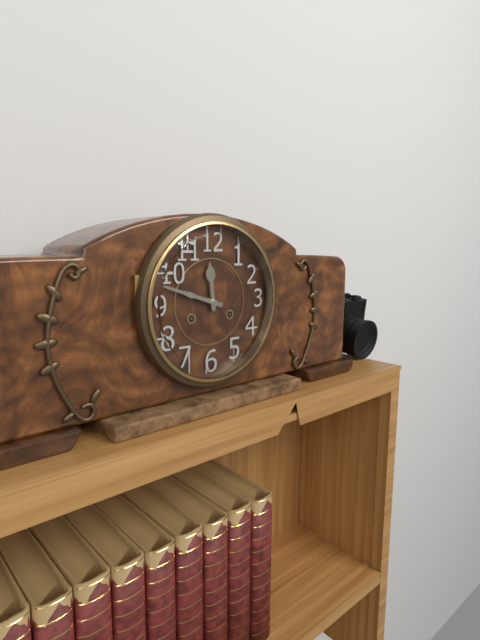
h=11 m=48
